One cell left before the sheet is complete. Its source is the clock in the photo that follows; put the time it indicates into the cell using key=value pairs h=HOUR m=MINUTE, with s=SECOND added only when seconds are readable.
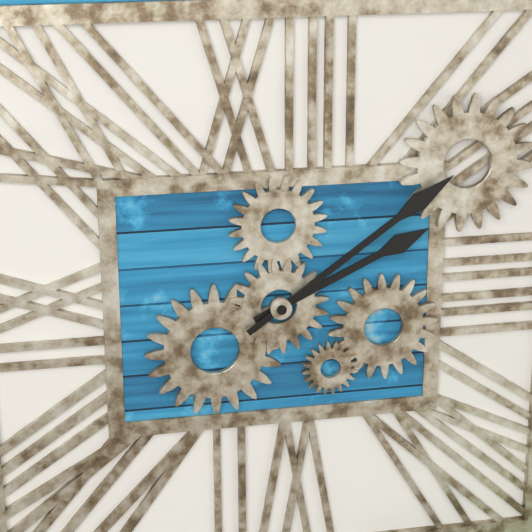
h=2 m=9
